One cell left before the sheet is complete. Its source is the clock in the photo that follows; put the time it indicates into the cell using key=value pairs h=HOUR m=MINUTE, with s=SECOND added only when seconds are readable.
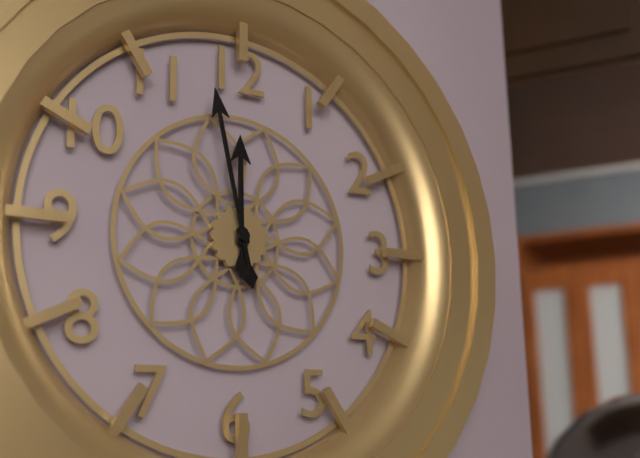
h=11 m=58
